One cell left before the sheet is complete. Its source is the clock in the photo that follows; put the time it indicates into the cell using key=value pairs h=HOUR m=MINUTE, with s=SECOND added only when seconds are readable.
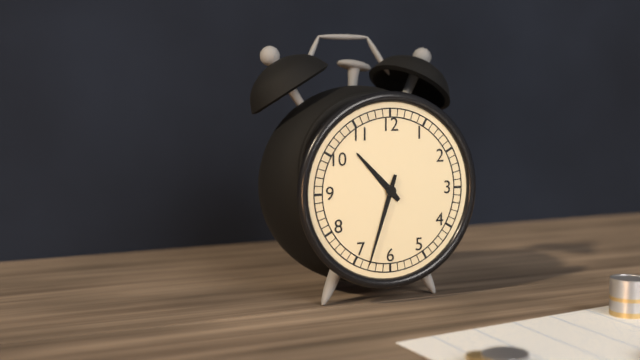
h=10 m=33
